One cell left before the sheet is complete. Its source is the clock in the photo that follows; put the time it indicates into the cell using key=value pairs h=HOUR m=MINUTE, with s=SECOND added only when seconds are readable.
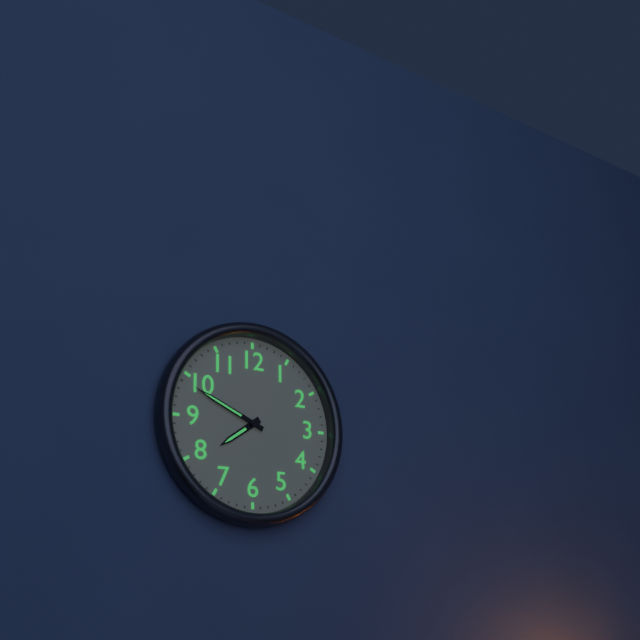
h=7 m=49
